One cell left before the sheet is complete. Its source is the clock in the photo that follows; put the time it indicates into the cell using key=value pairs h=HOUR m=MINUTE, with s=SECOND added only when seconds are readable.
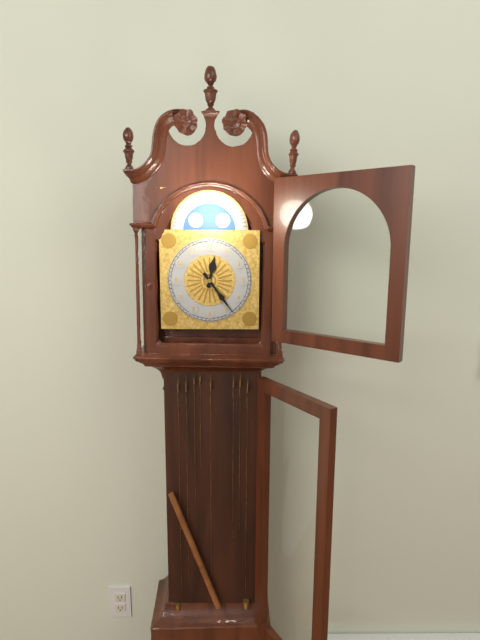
h=12 m=24
